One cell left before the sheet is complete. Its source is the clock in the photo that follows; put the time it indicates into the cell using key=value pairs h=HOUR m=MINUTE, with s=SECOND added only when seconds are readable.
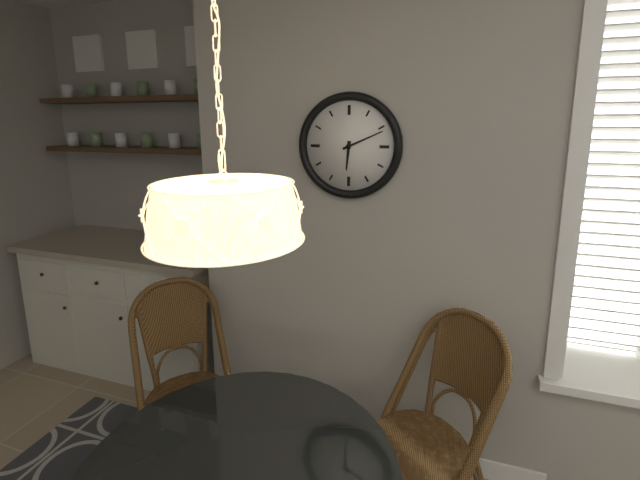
h=6 m=11
